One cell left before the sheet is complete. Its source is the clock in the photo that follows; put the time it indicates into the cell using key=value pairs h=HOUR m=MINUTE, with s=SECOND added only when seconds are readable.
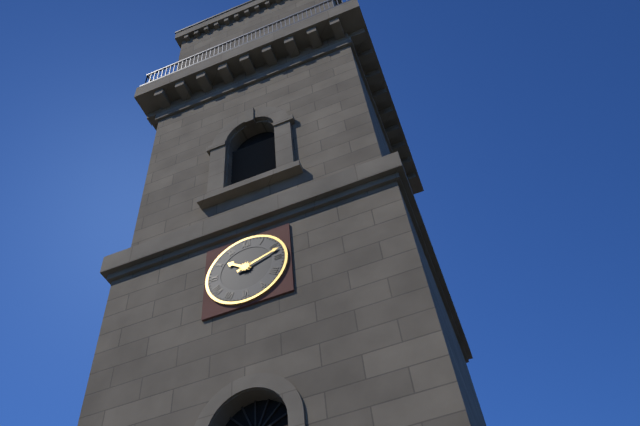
h=10 m=12
